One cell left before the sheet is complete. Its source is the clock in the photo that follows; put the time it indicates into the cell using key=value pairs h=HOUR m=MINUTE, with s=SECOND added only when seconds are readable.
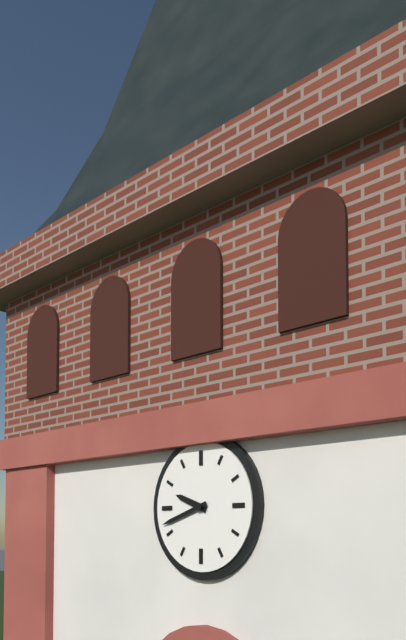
h=9 m=42
